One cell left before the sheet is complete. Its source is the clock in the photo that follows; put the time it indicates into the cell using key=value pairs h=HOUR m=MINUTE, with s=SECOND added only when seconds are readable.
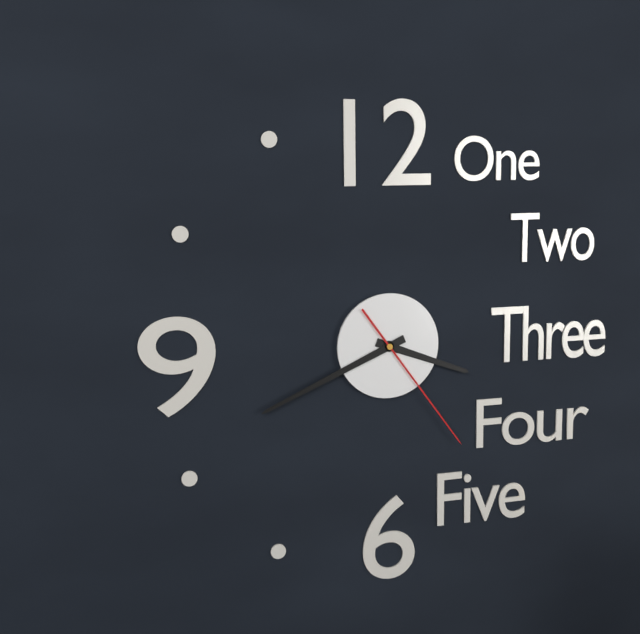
h=3 m=41 s=24
